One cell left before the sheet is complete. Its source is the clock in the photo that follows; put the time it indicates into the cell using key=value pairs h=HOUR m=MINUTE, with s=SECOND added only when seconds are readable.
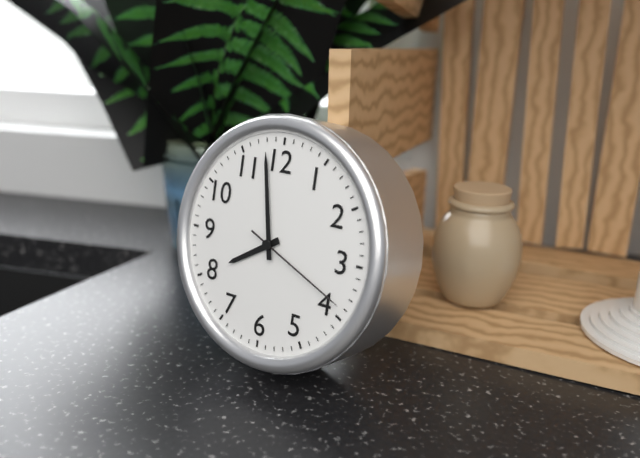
h=7 m=58 s=19
